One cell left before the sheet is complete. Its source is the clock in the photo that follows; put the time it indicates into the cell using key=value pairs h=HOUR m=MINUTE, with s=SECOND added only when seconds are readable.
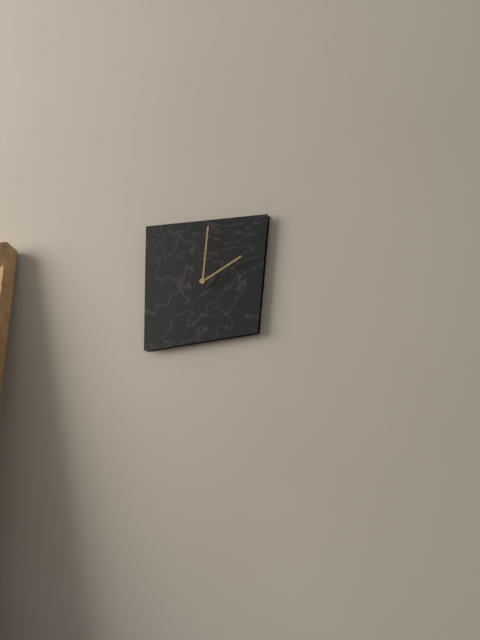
h=2 m=1
